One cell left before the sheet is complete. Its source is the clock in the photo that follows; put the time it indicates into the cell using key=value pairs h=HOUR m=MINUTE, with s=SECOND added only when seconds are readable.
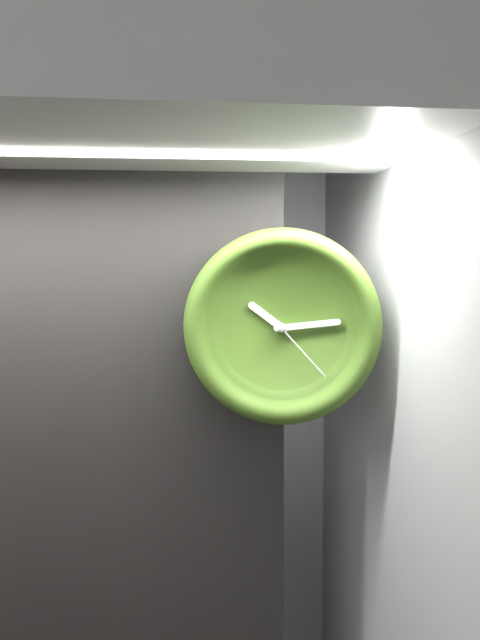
h=10 m=14 s=23
